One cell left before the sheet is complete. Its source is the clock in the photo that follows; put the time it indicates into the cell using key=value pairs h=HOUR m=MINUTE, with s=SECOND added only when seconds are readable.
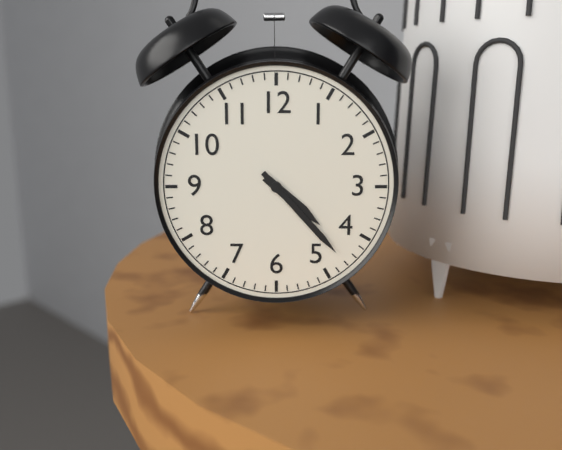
h=4 m=23
